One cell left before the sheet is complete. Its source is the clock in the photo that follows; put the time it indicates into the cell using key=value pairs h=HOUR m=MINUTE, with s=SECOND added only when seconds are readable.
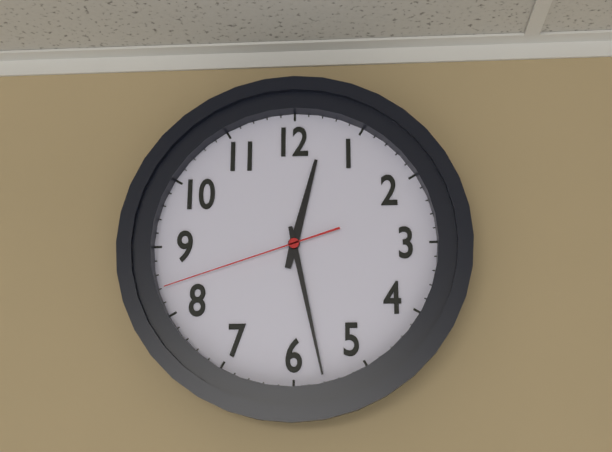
h=12 m=28 s=42
